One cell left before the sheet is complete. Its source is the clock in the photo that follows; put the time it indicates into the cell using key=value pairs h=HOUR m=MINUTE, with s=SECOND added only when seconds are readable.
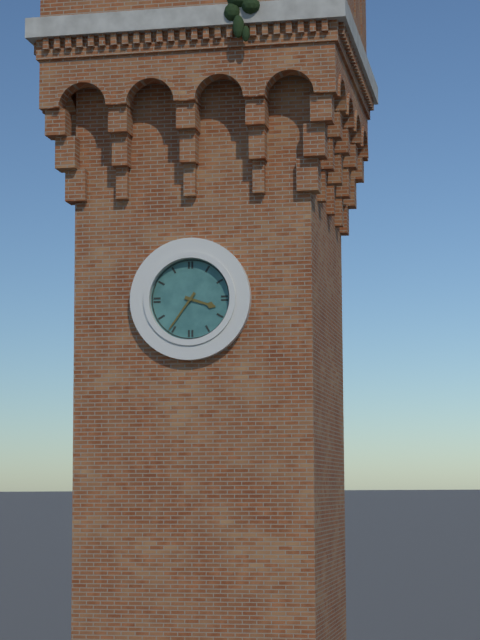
h=3 m=36
